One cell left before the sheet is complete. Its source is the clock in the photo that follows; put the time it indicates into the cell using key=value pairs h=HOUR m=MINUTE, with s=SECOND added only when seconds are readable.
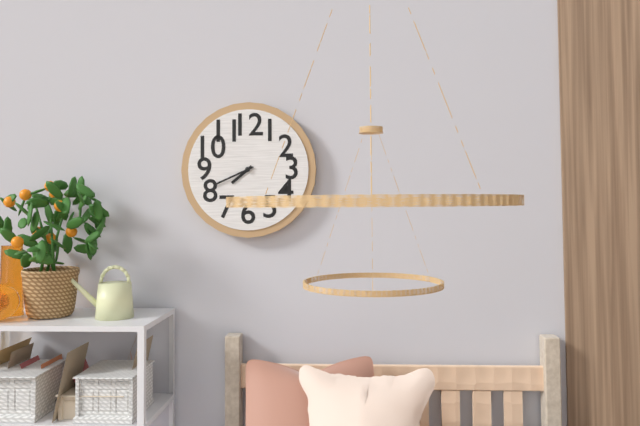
h=7 m=41
